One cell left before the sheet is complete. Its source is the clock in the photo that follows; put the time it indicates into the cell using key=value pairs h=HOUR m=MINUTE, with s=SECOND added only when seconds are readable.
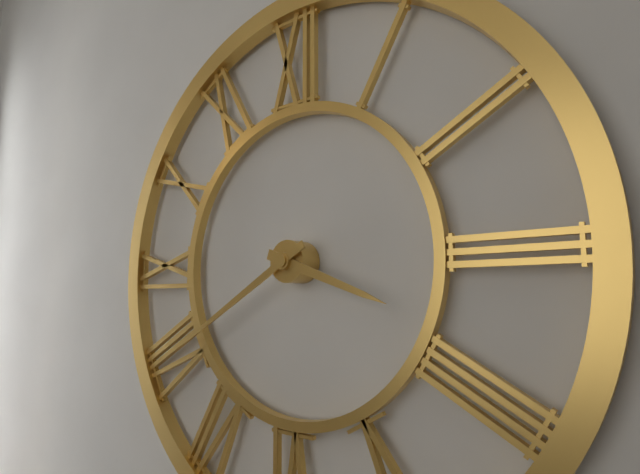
h=3 m=40
